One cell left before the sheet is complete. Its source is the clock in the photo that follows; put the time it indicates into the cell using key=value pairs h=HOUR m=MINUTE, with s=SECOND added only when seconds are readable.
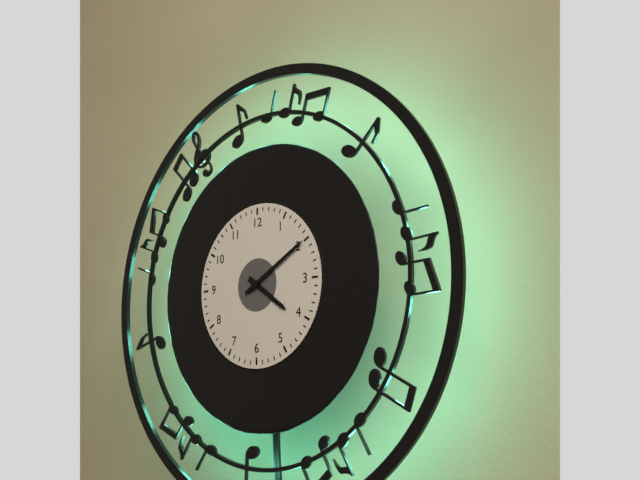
h=4 m=10
